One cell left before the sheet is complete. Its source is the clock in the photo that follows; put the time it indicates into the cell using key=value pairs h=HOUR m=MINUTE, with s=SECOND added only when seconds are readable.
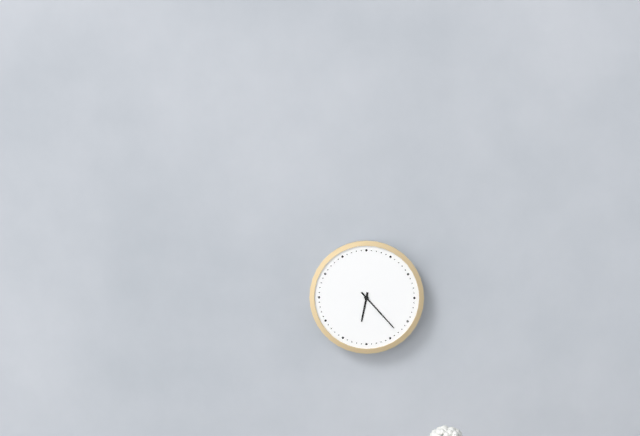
h=6 m=23
